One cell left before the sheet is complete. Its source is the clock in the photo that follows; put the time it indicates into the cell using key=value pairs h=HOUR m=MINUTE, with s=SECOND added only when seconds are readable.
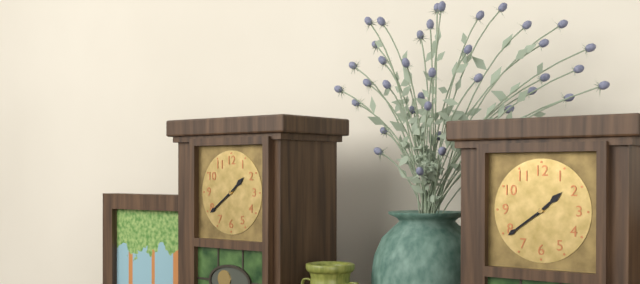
h=1 m=39
